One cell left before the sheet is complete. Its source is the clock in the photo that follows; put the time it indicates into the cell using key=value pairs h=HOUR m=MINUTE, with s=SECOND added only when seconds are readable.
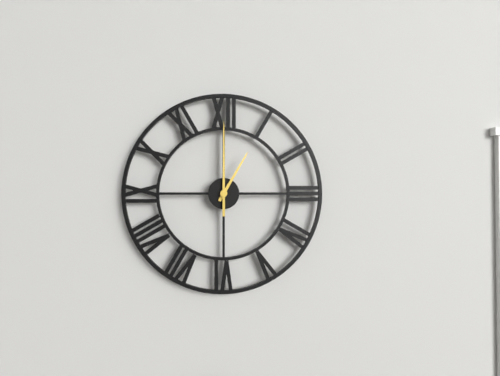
h=1 m=0
